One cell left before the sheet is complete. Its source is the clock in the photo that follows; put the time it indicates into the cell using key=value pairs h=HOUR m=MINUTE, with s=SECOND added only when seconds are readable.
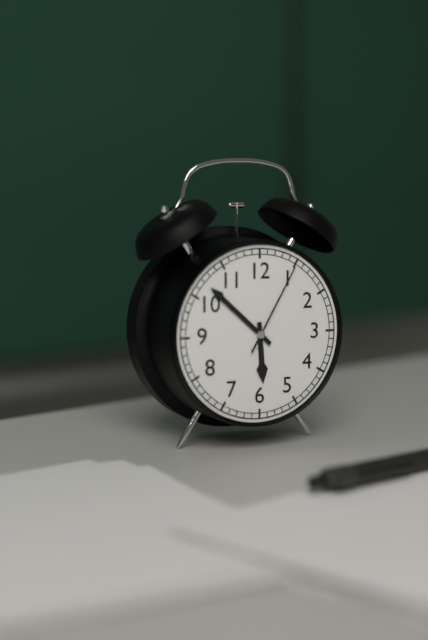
h=5 m=52 s=5
